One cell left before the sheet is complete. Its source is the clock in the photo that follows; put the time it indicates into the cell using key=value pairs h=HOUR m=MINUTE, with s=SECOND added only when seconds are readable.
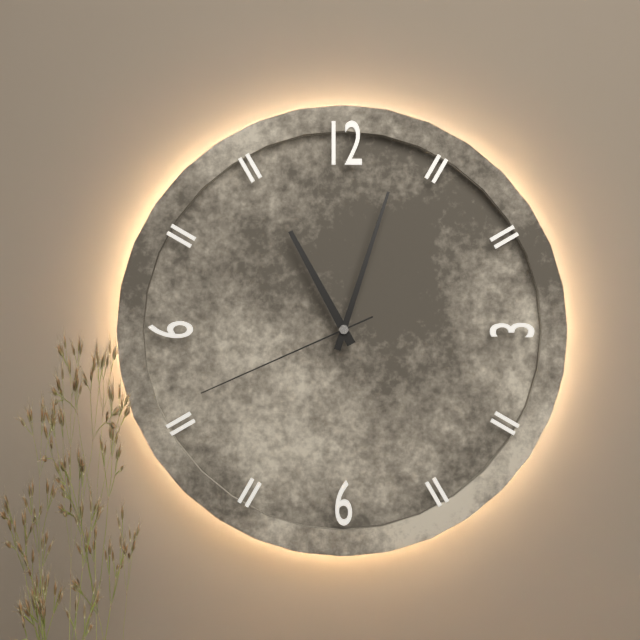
h=11 m=3 s=41
